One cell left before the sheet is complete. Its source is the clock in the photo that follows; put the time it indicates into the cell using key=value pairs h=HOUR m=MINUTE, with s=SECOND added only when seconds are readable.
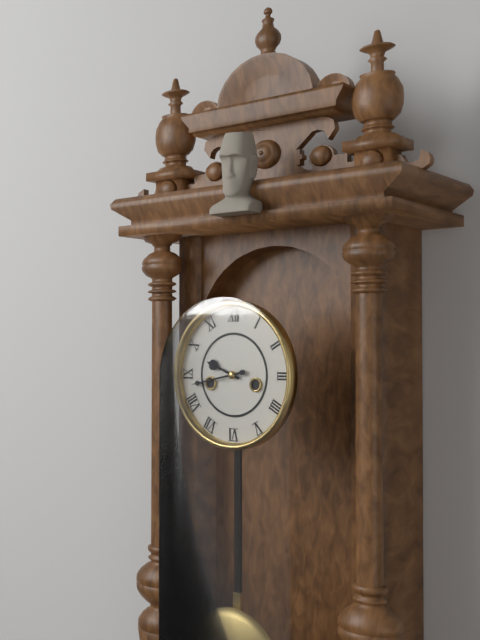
h=9 m=43
